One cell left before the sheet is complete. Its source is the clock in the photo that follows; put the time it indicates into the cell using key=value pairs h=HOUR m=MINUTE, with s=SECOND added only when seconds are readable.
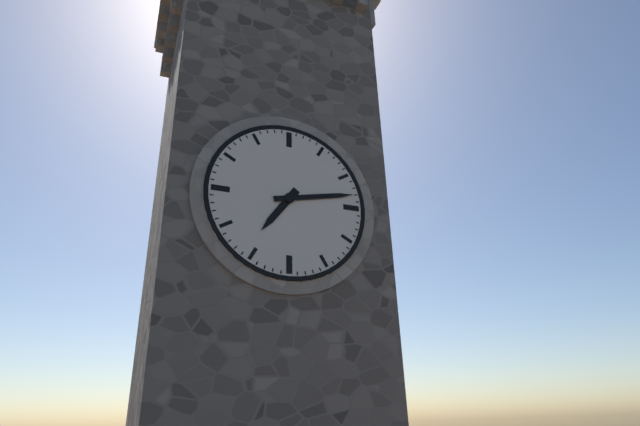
h=7 m=13
